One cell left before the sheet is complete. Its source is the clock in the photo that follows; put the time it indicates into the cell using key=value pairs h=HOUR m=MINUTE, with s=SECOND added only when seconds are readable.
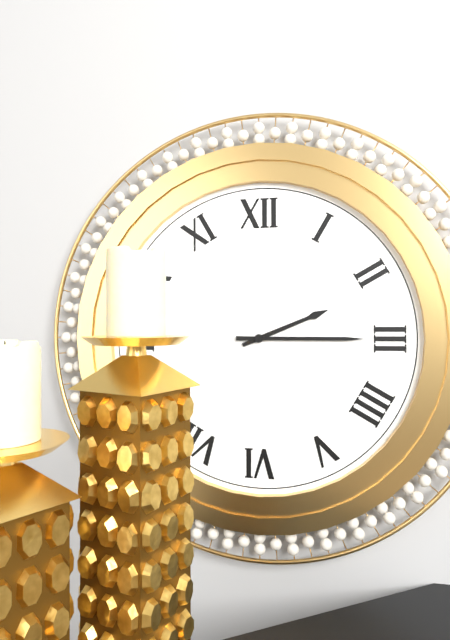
h=2 m=15
